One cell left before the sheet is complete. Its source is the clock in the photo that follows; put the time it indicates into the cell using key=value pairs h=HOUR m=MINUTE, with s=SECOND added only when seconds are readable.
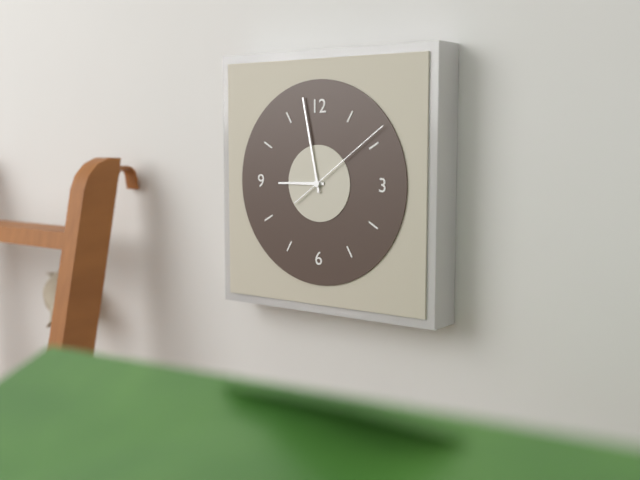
h=8 m=58 s=9
